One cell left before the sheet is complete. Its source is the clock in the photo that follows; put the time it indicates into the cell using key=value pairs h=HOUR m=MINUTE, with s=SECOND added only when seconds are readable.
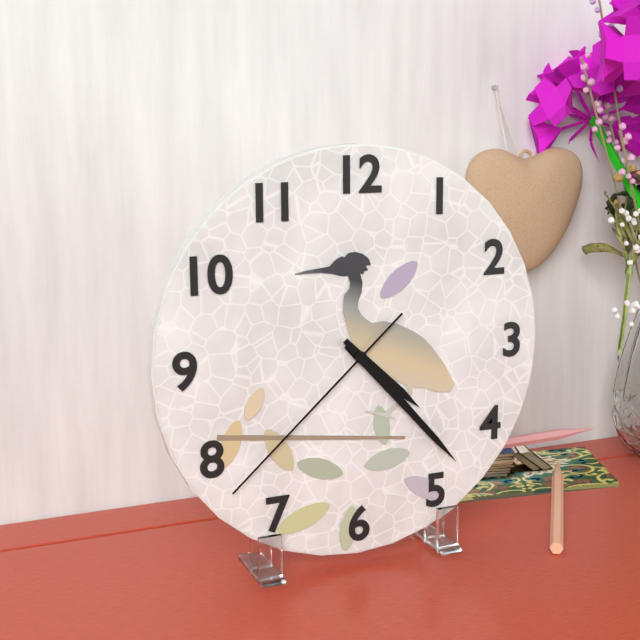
h=4 m=23 s=38
